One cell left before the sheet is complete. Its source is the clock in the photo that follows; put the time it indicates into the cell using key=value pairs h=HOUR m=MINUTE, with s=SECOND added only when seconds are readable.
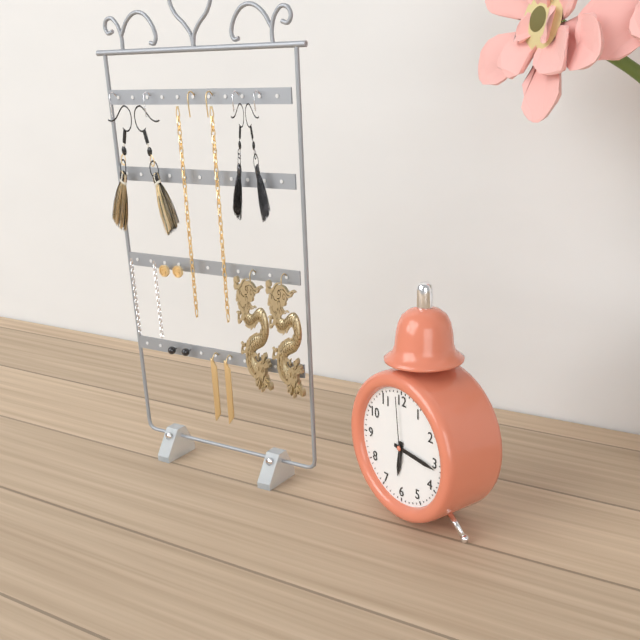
h=6 m=16 s=59
